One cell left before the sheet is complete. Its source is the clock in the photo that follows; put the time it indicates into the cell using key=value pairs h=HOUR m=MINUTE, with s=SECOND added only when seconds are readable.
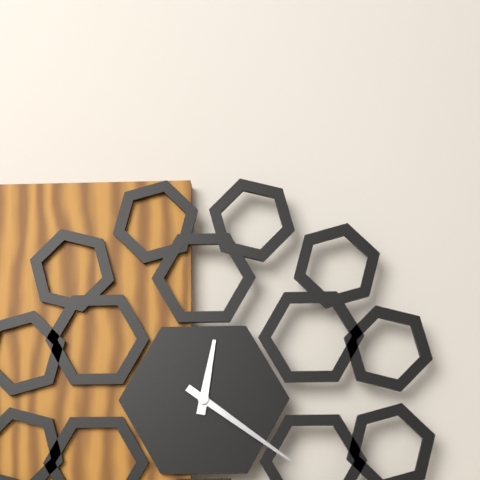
h=12 m=21
